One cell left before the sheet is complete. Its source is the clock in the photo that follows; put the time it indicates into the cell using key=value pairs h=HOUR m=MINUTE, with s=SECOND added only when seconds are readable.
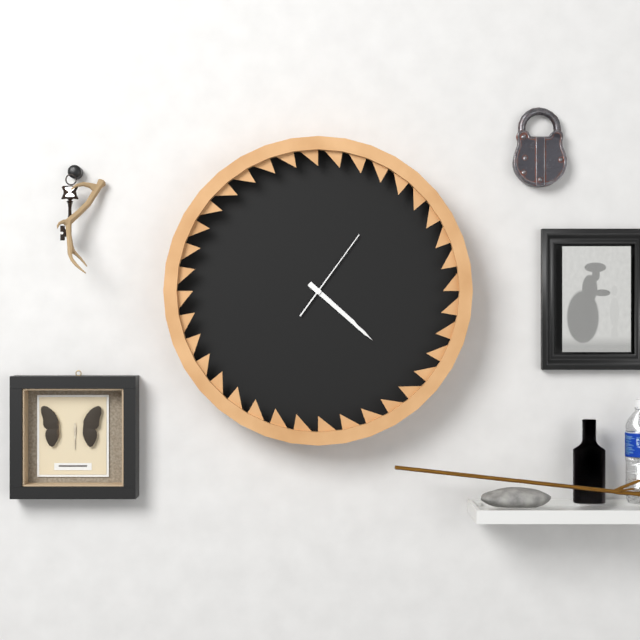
h=4 m=22 s=6
